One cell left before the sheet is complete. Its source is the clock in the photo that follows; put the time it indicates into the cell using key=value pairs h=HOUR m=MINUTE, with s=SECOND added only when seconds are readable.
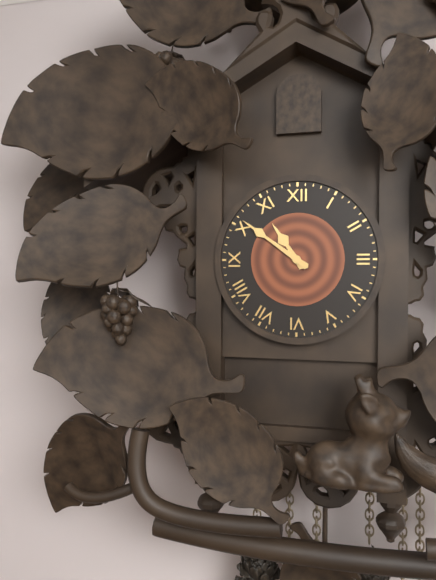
h=10 m=51
